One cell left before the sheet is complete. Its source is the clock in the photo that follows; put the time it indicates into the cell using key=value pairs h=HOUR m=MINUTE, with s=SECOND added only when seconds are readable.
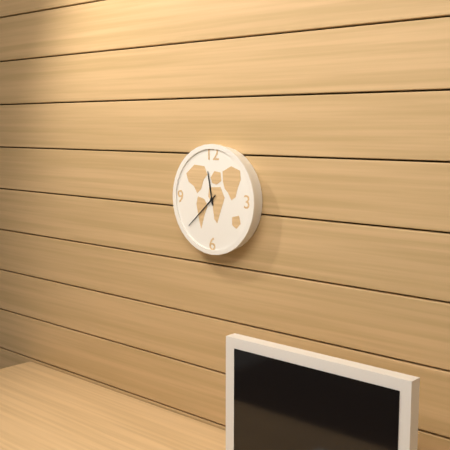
h=11 m=38
